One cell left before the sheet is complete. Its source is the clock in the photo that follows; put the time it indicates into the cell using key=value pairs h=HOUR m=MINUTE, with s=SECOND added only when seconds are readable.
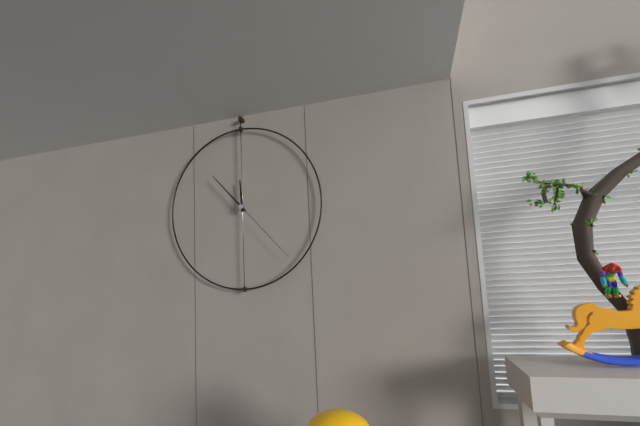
h=11 m=53 s=23
